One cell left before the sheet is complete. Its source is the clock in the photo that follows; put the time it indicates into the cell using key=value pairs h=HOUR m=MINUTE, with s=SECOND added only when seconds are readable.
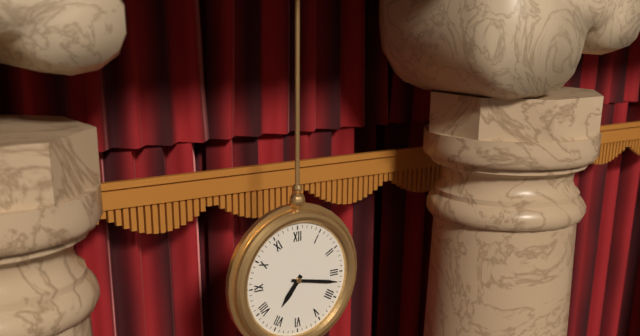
h=7 m=17
